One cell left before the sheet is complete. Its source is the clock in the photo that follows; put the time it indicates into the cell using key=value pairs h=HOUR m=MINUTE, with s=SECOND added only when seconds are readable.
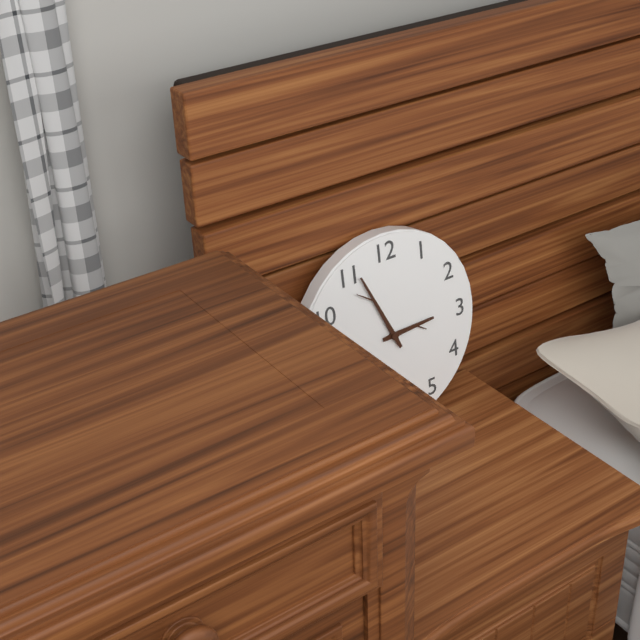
h=2 m=56
